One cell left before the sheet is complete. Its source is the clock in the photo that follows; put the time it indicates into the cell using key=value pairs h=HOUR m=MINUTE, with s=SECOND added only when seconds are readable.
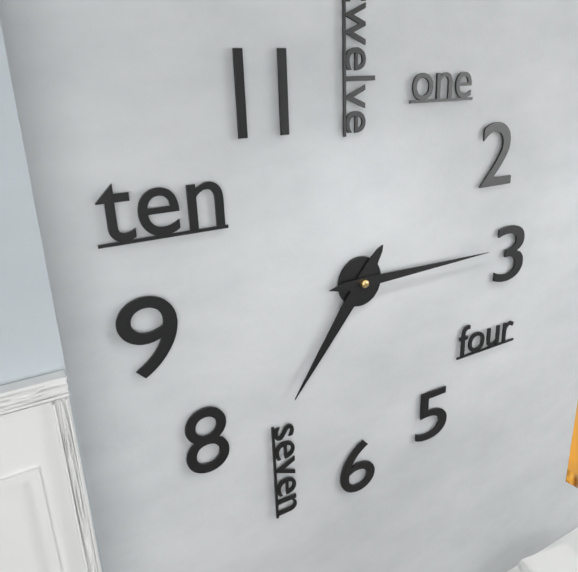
h=7 m=15
